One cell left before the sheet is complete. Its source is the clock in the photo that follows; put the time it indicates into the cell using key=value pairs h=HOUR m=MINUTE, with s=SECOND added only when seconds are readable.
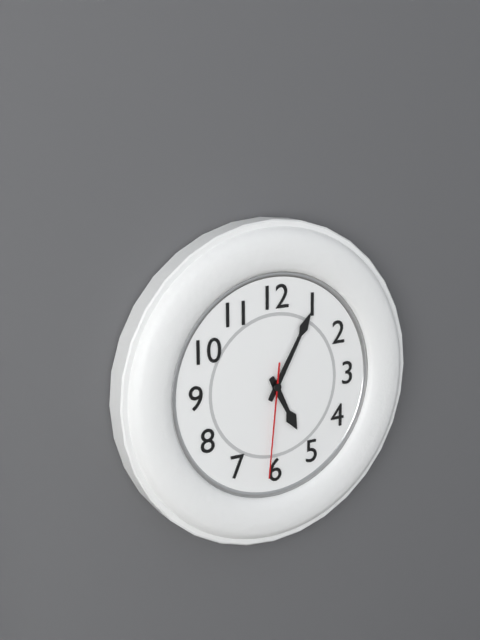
h=5 m=5 s=31
